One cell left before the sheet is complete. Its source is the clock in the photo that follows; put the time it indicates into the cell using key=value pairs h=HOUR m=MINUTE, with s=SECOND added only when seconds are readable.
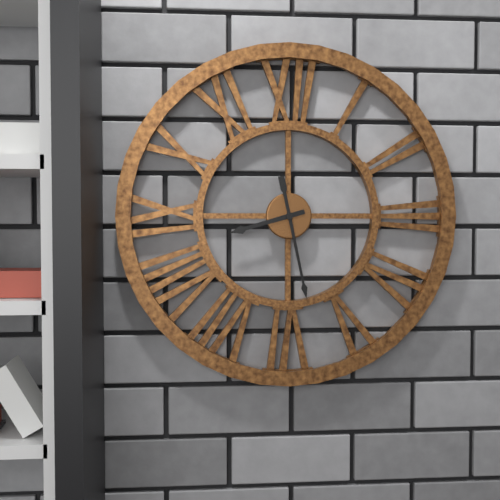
h=8 m=28
